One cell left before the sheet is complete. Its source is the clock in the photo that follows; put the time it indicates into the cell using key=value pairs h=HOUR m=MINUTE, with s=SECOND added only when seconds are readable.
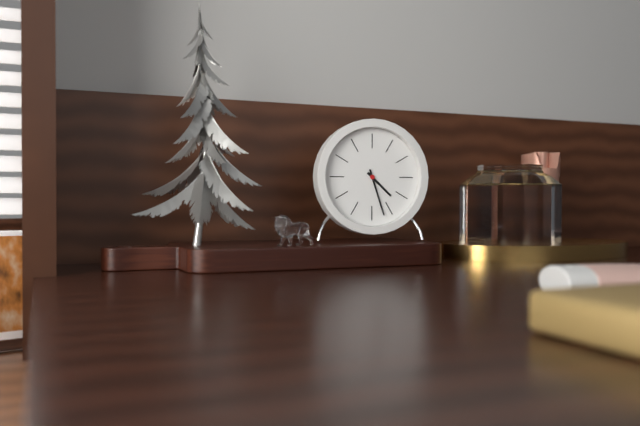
h=4 m=27
